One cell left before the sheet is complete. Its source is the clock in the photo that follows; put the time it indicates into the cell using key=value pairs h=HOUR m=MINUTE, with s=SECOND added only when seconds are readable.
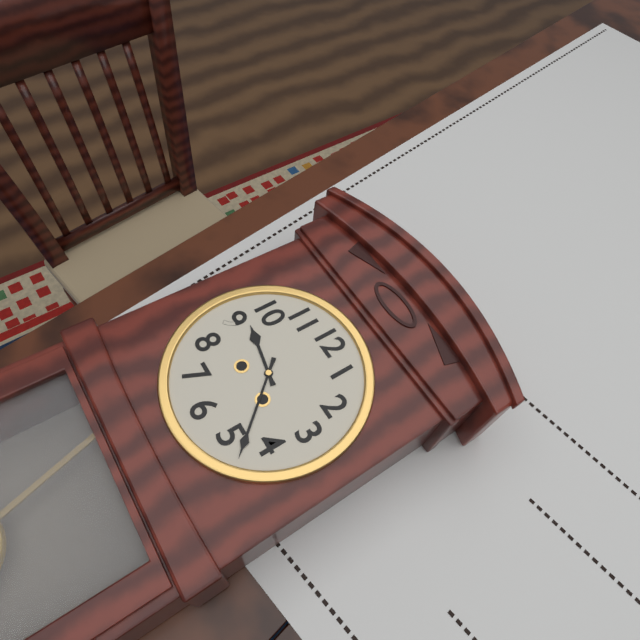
h=9 m=23
